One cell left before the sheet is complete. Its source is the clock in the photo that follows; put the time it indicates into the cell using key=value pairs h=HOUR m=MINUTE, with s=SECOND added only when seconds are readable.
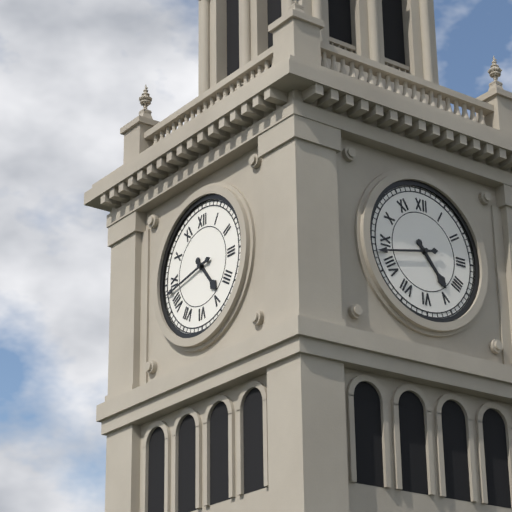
h=4 m=43
